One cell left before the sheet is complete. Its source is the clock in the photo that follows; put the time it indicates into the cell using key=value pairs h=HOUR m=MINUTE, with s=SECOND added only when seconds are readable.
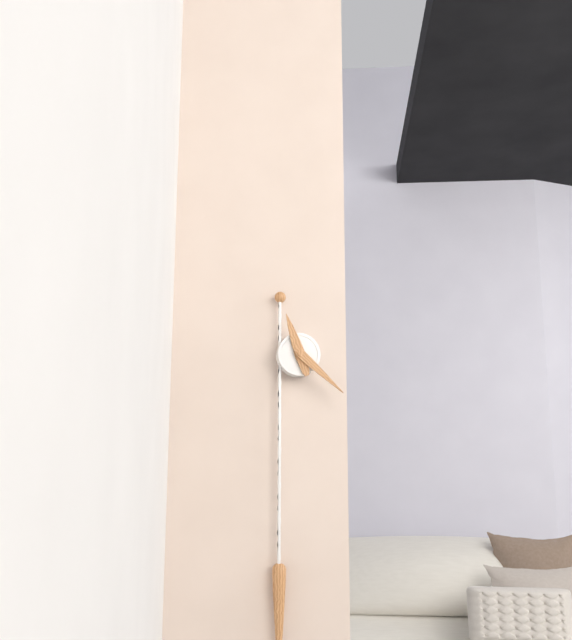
h=11 m=22
